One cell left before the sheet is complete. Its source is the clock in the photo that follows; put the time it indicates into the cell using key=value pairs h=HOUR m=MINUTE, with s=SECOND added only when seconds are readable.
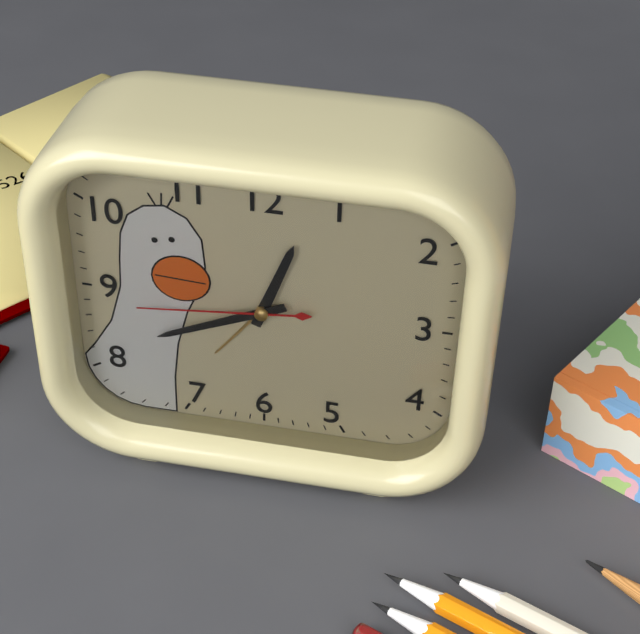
h=12 m=41 s=44
